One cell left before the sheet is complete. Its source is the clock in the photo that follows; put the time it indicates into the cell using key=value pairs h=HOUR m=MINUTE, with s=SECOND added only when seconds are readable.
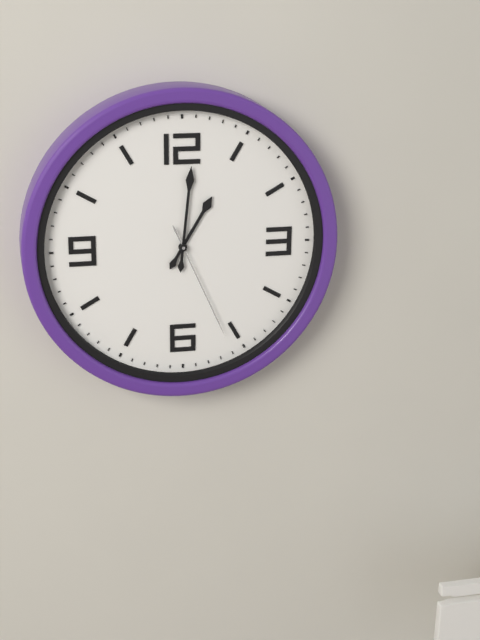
h=1 m=1 s=26
